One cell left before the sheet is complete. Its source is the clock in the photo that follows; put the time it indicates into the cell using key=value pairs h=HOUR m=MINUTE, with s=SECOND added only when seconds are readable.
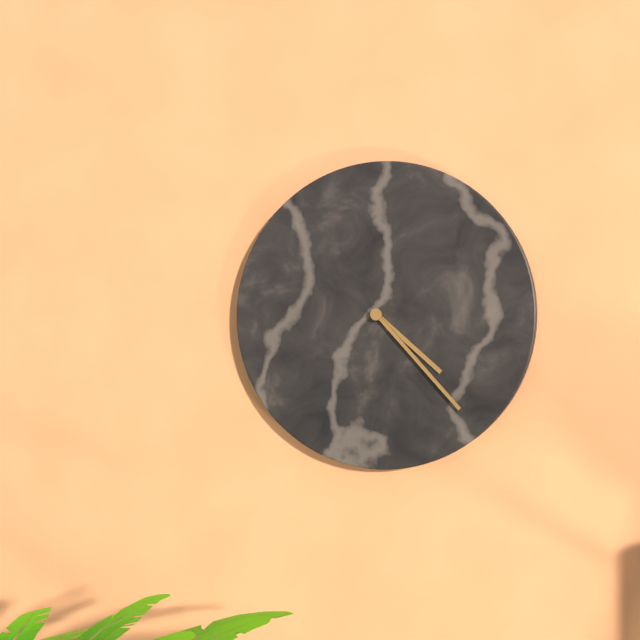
h=4 m=23
